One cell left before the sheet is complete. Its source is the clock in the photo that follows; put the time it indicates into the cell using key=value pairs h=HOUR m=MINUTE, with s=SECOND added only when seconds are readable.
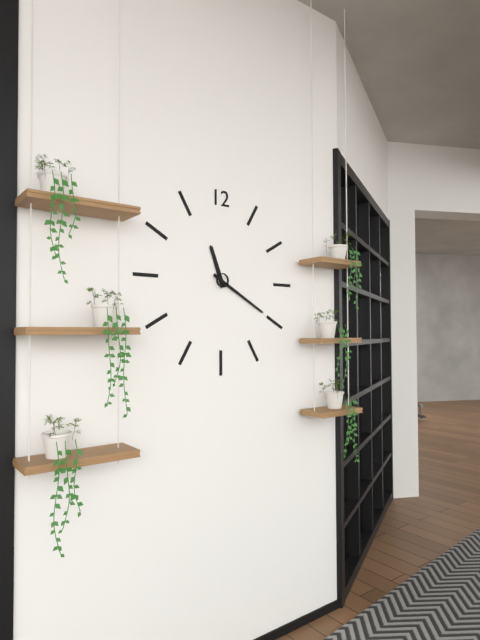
h=11 m=20
